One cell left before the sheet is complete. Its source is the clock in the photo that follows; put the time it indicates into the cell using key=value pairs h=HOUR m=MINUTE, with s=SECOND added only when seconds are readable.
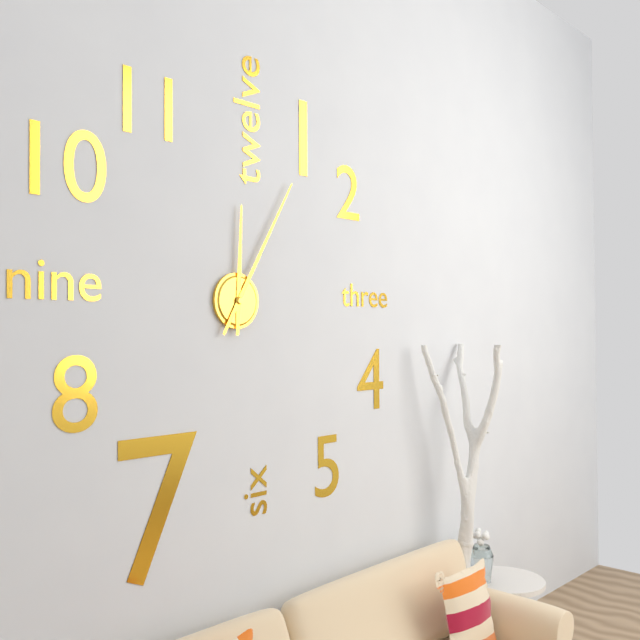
h=12 m=5
